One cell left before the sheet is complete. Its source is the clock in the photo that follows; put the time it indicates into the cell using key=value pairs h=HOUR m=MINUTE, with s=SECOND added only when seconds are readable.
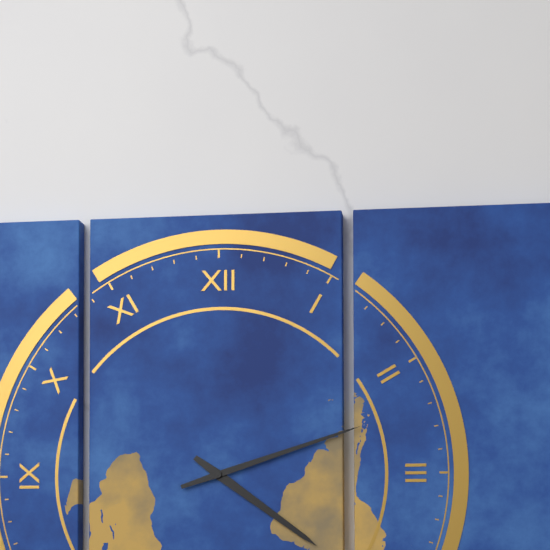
h=4 m=12
